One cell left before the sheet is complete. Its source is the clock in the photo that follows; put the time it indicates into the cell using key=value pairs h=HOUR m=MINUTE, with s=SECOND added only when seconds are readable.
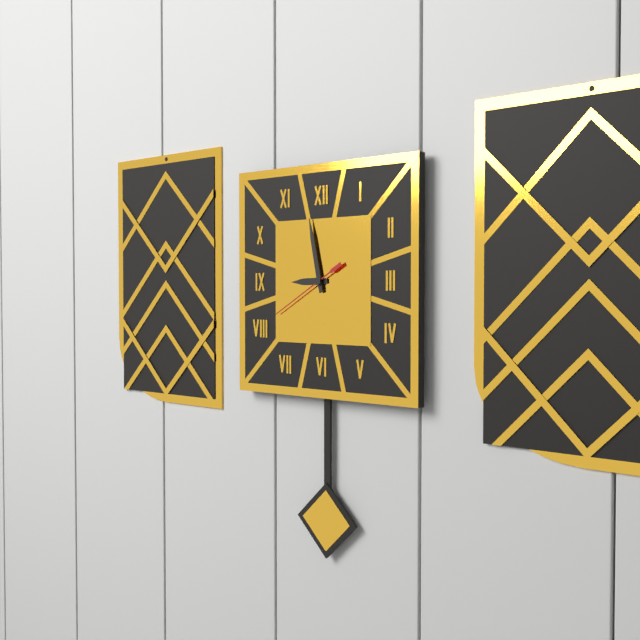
h=8 m=58 s=40
